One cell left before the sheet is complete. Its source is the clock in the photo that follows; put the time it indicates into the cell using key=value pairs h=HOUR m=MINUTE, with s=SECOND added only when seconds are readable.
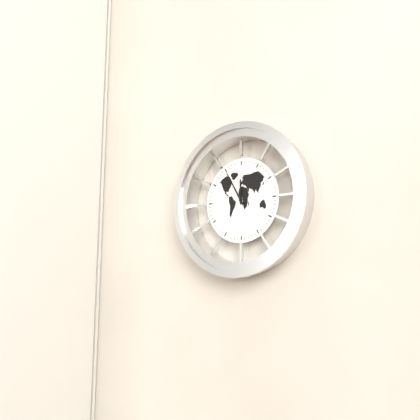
h=11 m=55
